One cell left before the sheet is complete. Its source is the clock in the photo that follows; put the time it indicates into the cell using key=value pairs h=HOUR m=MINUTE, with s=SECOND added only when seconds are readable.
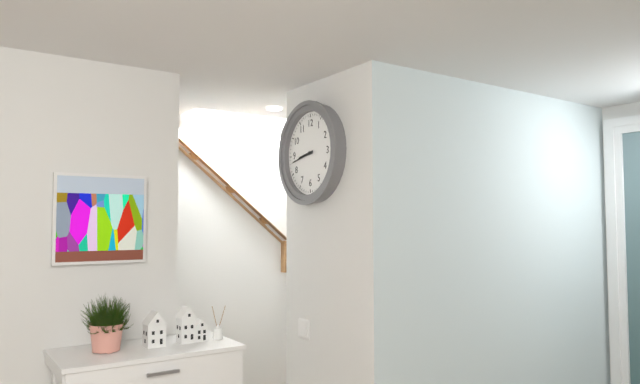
h=8 m=43
